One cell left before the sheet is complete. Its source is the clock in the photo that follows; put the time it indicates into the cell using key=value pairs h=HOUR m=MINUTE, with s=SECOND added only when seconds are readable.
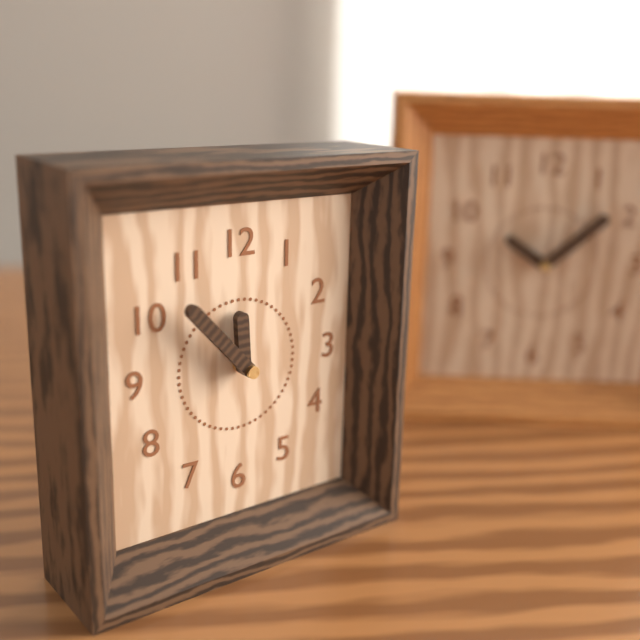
h=11 m=53
